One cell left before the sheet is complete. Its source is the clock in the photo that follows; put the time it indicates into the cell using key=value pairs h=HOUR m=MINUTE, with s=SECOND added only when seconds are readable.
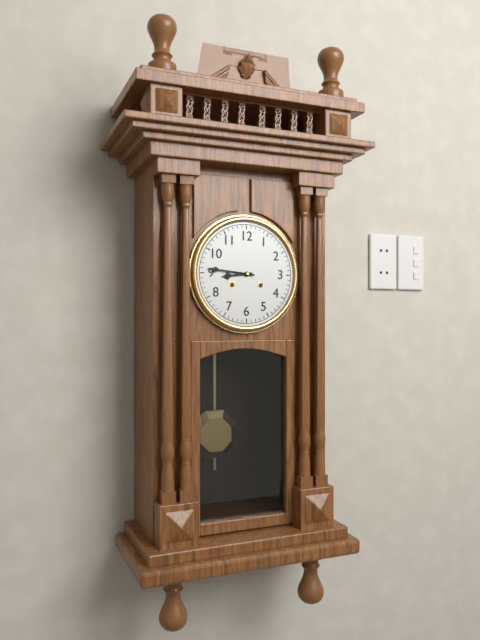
h=8 m=46
